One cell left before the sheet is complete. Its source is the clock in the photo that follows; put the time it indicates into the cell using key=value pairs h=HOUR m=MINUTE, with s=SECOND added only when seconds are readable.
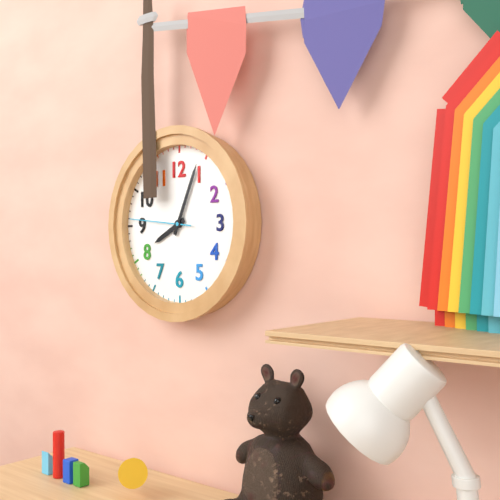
h=8 m=4 s=46
